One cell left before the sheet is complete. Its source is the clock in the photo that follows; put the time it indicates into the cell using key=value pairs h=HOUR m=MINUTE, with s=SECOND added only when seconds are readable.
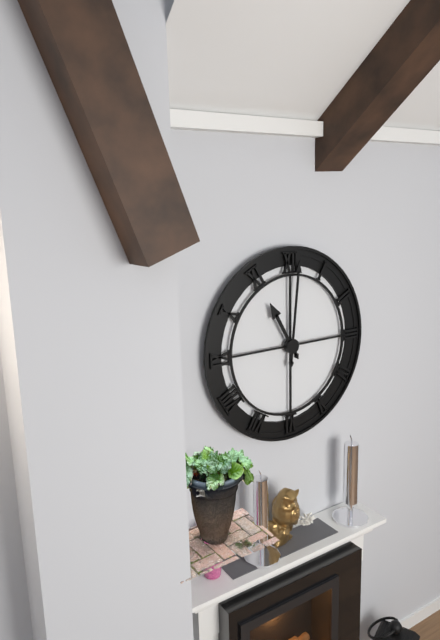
h=11 m=1
